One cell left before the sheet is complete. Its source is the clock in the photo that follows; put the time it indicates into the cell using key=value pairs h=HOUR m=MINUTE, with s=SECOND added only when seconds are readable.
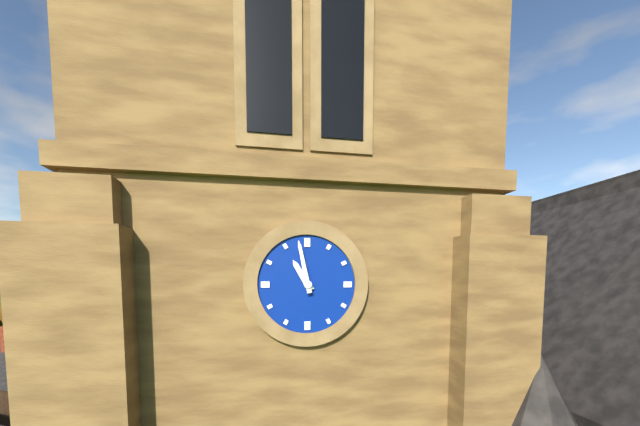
h=10 m=58
